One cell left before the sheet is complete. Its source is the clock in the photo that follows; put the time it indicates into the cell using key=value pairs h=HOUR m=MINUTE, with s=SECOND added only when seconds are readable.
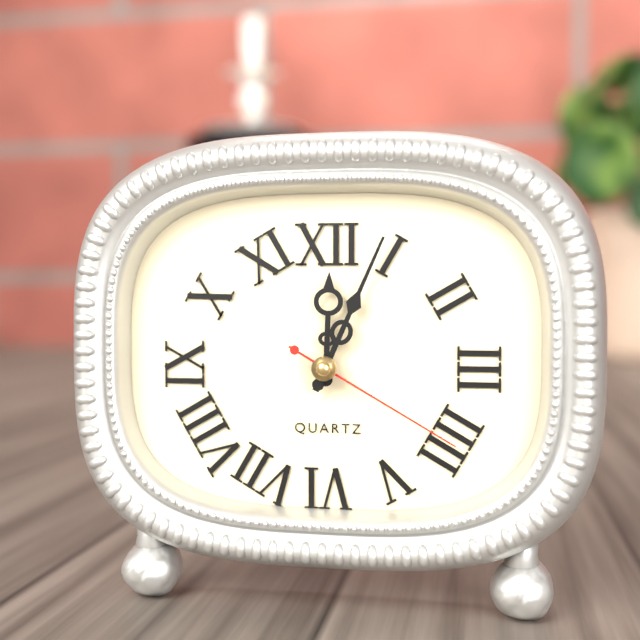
h=12 m=4 s=20
